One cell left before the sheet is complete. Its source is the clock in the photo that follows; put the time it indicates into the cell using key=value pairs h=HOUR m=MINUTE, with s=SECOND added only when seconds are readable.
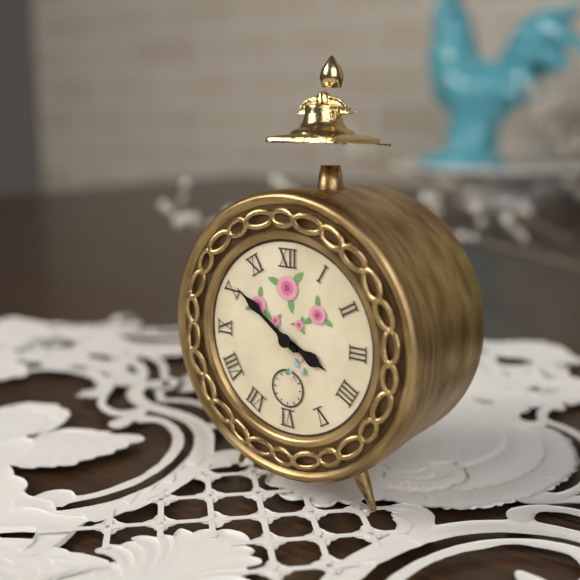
h=3 m=51
